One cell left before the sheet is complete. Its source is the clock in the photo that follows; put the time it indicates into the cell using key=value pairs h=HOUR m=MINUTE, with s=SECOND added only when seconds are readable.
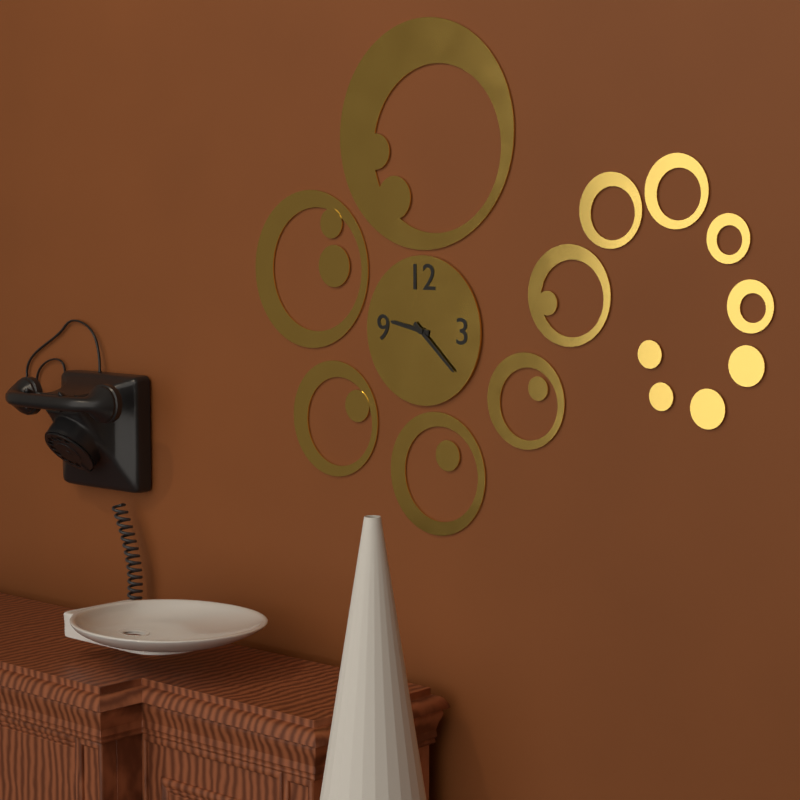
h=9 m=22
